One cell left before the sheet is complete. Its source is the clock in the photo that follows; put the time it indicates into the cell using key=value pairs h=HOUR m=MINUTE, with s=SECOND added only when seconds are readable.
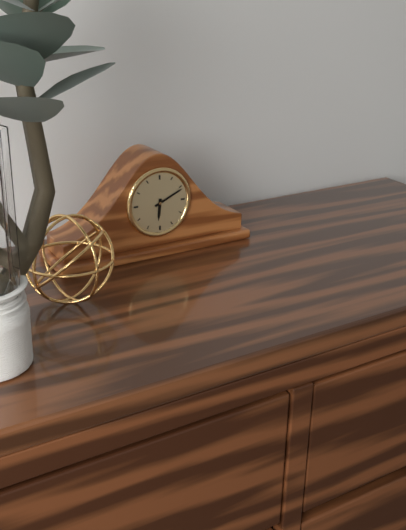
h=6 m=11
